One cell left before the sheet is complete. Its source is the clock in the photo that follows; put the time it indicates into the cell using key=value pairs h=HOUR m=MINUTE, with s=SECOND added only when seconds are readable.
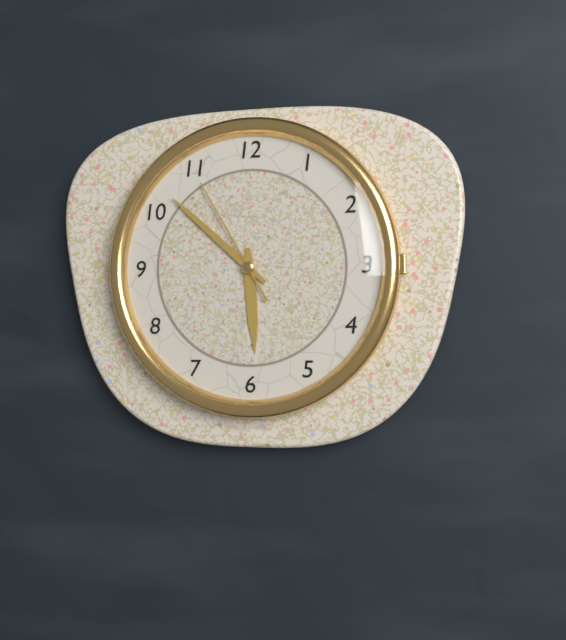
h=5 m=52 s=55
